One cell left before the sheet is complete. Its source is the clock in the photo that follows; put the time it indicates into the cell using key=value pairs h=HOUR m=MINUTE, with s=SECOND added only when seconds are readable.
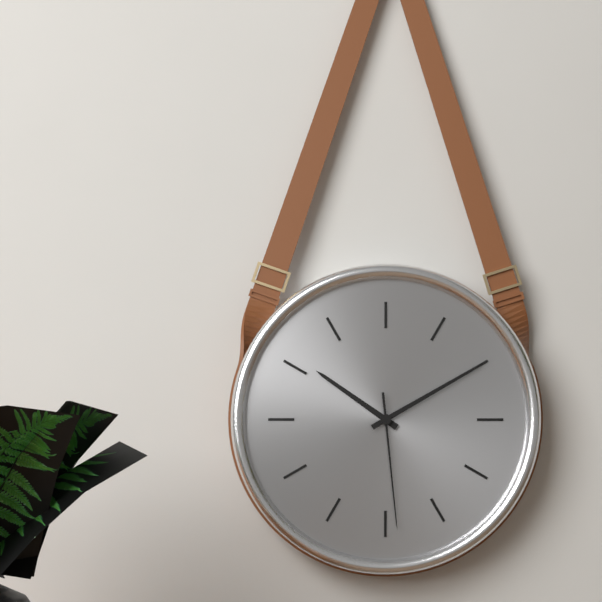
h=10 m=10 s=29
